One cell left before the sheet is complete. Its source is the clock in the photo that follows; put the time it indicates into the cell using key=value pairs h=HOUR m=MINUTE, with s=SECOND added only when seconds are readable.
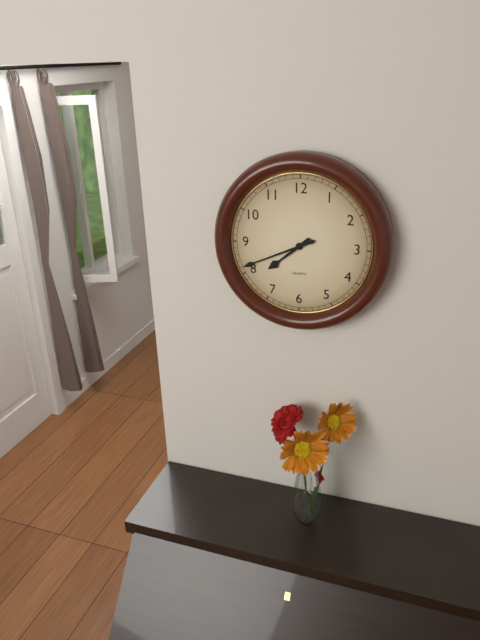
h=7 m=41
